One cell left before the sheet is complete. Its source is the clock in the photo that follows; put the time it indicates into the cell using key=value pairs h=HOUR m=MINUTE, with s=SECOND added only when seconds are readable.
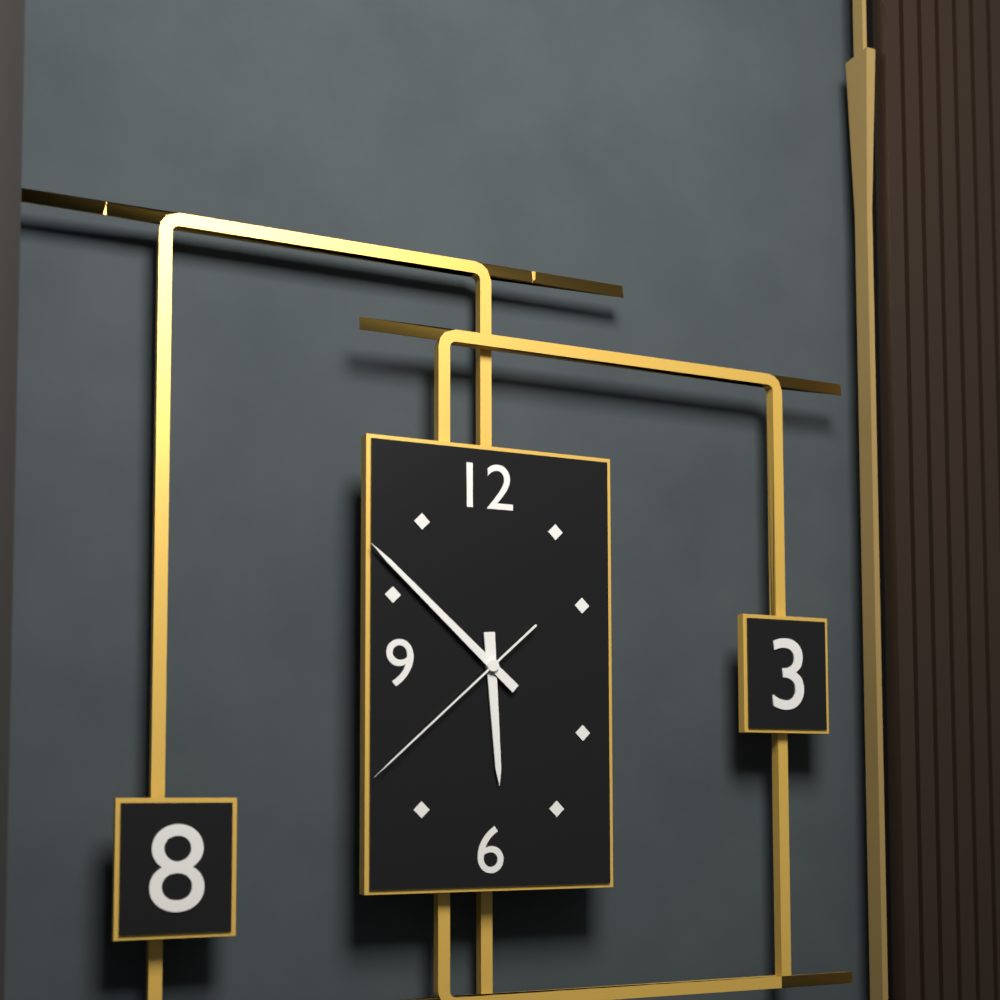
h=5 m=52 s=38
